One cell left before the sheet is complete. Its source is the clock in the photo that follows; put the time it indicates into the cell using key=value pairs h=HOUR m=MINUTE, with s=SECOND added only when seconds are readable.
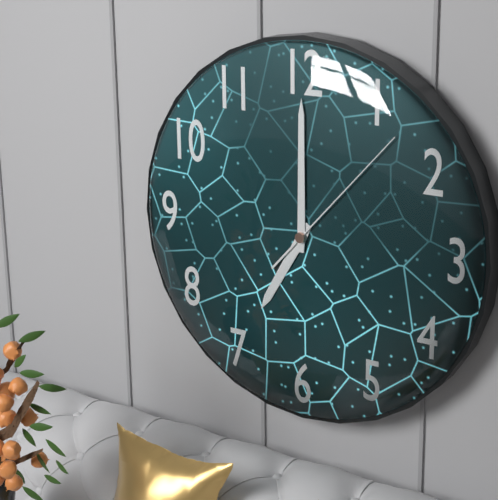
h=7 m=0 s=7
